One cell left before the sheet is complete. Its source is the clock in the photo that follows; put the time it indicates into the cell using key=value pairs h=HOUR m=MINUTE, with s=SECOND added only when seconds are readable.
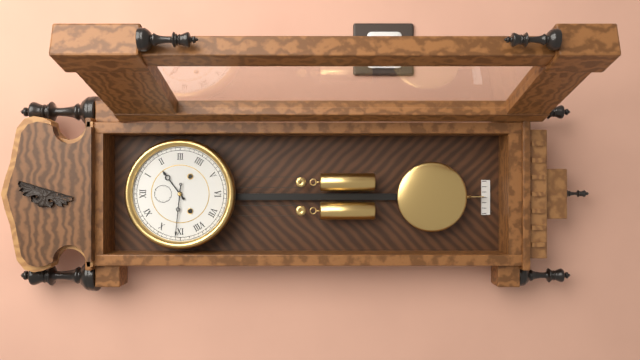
h=1 m=46
